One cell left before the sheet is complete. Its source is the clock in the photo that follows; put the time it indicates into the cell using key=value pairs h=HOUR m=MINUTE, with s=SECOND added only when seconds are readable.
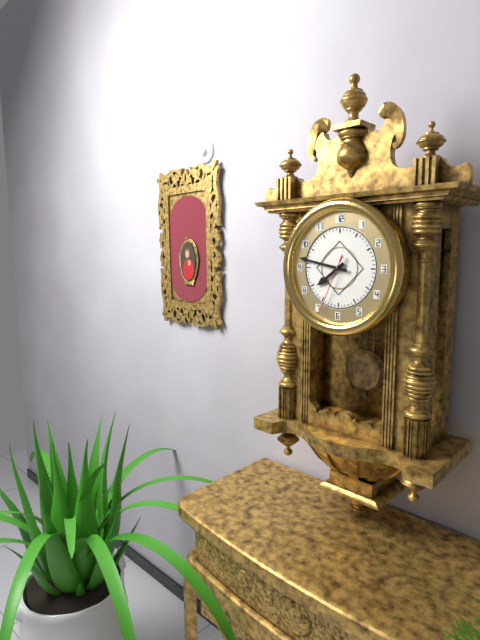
h=7 m=47 s=34
